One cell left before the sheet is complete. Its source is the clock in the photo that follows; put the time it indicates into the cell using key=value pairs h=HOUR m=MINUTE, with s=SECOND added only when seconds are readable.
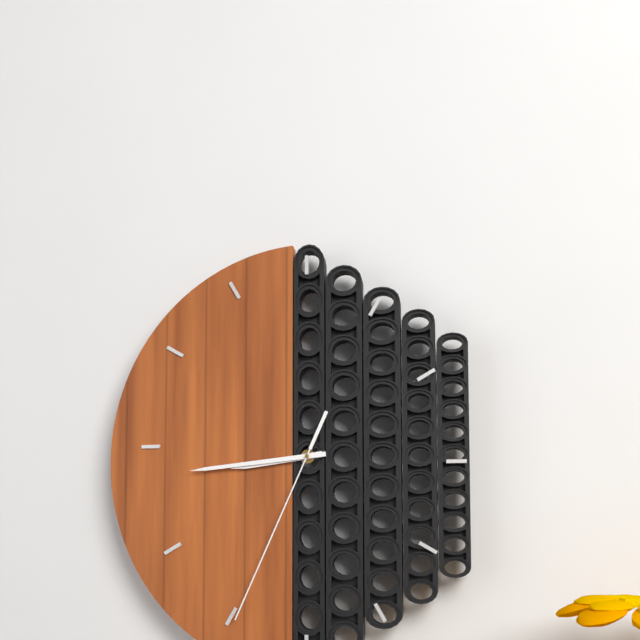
h=8 m=44 s=34
